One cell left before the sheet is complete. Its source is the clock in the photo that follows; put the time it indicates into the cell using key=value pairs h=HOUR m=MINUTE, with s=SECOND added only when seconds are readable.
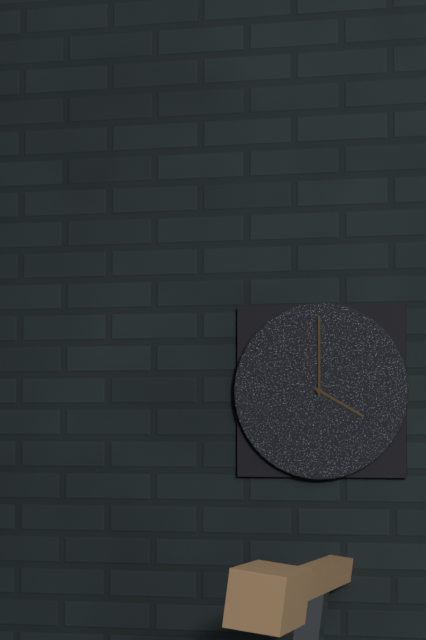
h=4 m=0
